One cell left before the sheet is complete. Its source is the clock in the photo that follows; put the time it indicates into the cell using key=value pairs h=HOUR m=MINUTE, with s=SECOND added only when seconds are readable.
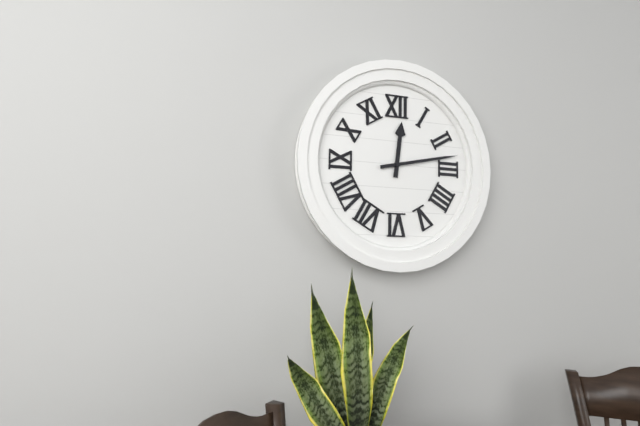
h=12 m=13
